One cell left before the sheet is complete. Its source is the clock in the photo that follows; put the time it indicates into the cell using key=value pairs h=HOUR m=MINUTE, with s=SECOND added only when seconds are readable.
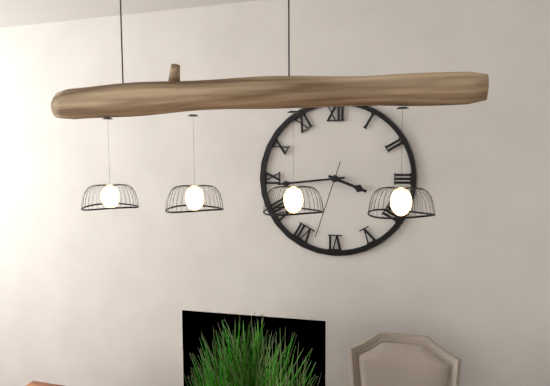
h=3 m=44 s=33
